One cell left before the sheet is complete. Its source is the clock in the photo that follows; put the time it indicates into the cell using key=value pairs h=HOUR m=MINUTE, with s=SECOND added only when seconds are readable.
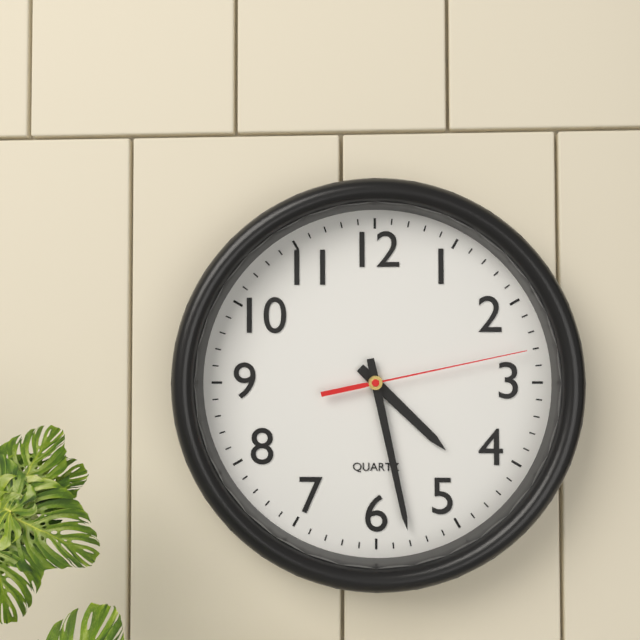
h=4 m=28 s=13
